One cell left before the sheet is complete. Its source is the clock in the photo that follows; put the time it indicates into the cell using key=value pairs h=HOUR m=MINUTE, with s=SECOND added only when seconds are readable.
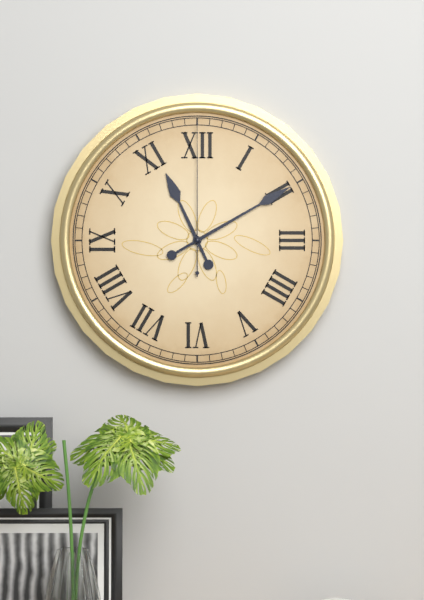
h=11 m=10 s=0
